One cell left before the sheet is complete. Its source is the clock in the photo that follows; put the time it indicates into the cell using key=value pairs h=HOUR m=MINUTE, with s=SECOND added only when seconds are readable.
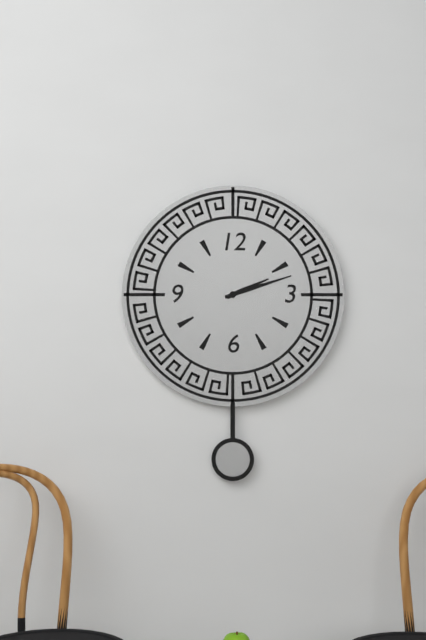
h=2 m=12
